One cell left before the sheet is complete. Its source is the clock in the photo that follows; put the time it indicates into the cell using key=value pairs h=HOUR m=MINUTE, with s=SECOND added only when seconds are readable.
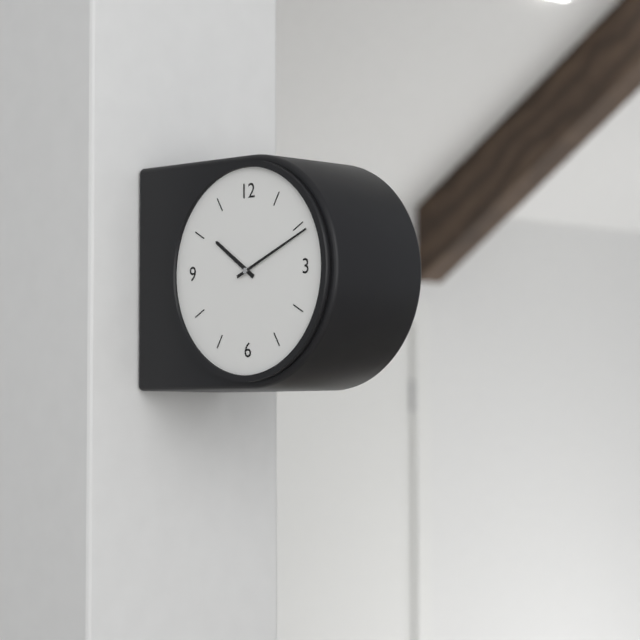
h=10 m=11
